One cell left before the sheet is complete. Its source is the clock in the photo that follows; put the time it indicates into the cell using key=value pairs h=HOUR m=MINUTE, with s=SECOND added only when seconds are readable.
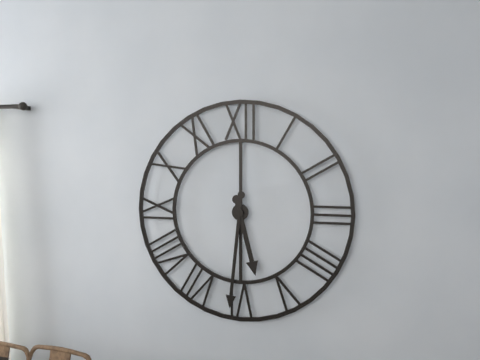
h=5 m=31
